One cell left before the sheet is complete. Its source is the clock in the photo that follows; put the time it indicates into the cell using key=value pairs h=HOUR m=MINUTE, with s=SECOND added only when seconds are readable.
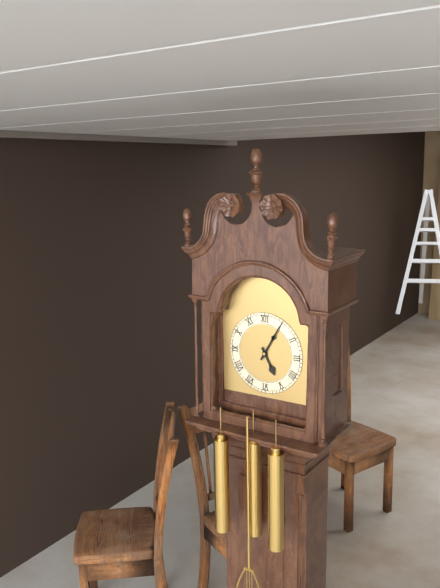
h=5 m=5
